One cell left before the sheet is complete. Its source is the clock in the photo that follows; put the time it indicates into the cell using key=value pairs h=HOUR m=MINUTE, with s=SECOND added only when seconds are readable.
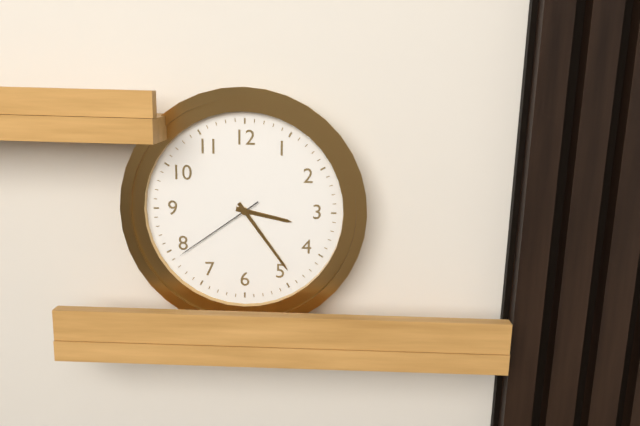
h=3 m=24 s=39
